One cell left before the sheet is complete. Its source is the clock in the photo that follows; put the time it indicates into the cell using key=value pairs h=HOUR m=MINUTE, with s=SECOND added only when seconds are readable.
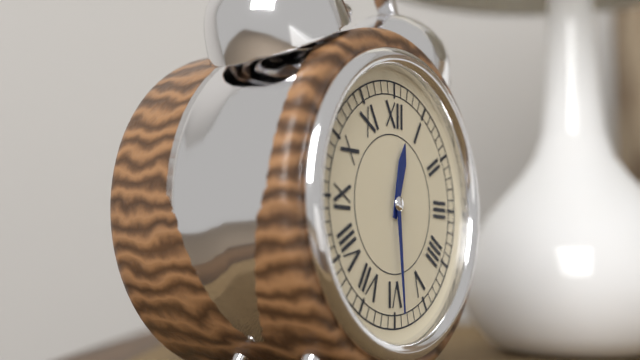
h=12 m=29
